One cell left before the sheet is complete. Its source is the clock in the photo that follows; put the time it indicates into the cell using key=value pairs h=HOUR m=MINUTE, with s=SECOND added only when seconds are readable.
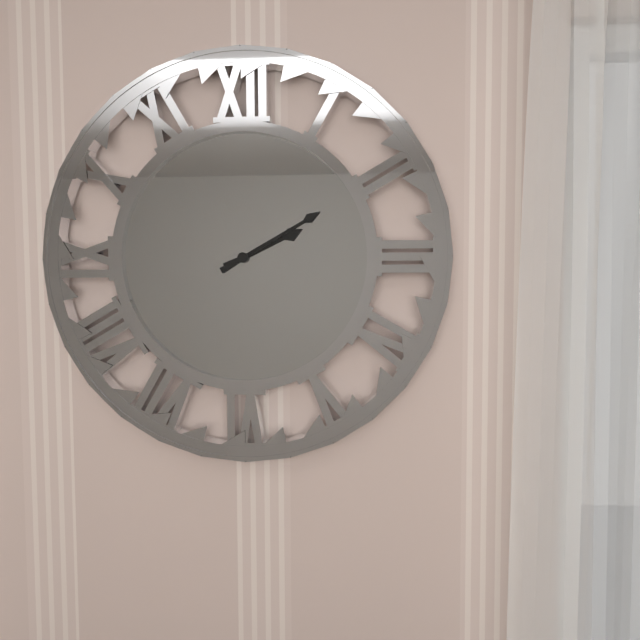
h=2 m=10
